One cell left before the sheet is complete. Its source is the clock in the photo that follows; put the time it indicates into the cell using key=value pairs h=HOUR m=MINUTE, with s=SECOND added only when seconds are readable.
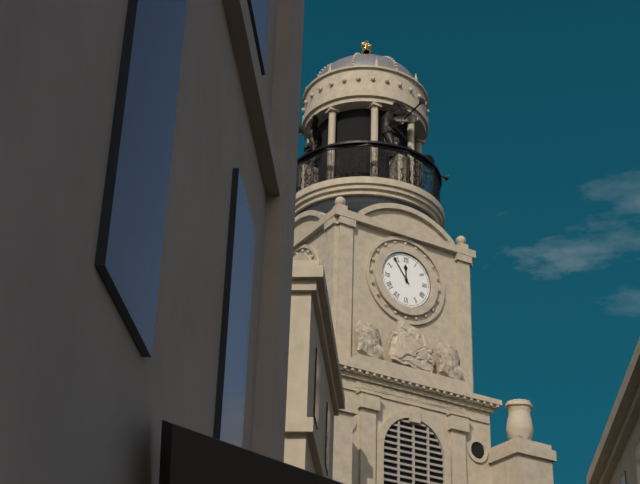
h=11 m=54
